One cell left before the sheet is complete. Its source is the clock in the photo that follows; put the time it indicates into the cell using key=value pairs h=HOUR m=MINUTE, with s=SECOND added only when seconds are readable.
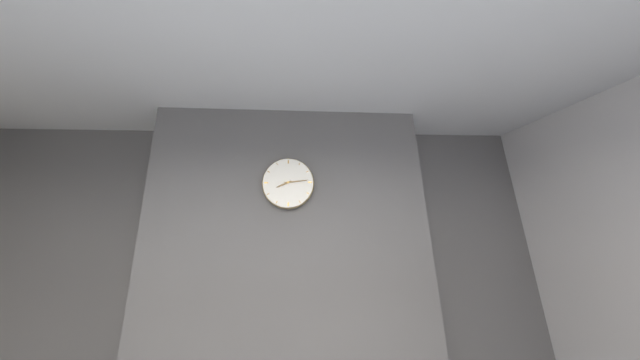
h=8 m=14
